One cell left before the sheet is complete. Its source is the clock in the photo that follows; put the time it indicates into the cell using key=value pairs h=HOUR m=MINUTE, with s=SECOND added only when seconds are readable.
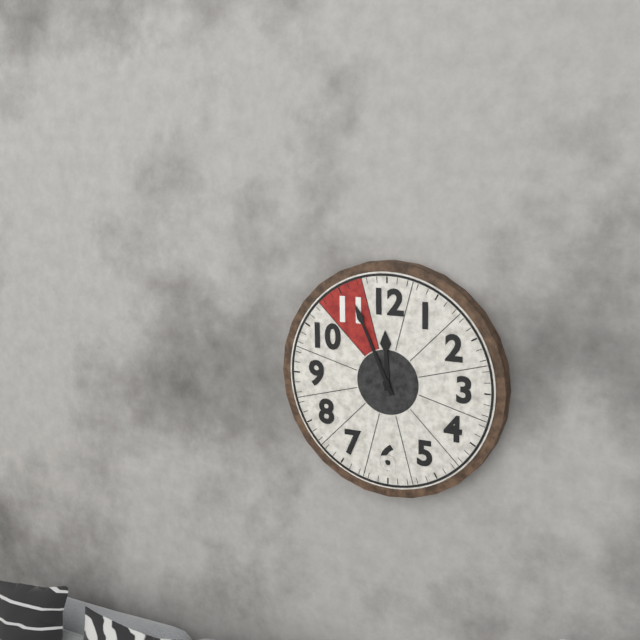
h=11 m=56
